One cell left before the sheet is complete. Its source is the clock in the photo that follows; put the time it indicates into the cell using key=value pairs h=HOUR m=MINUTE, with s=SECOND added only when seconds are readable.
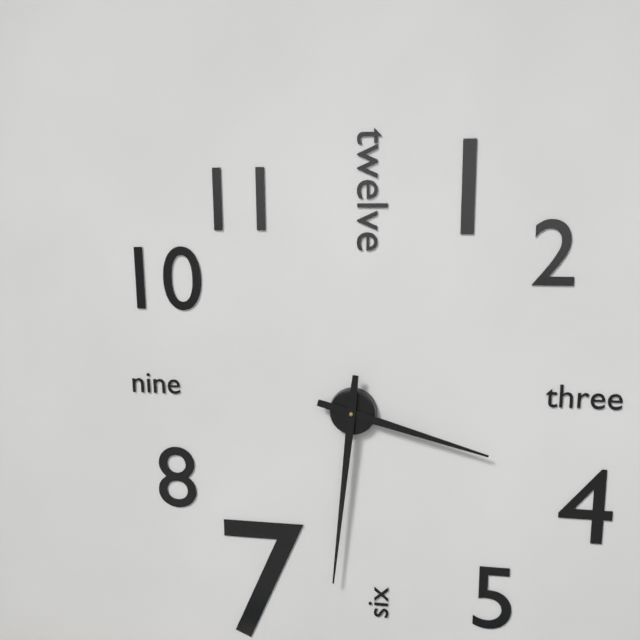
h=3 m=31
